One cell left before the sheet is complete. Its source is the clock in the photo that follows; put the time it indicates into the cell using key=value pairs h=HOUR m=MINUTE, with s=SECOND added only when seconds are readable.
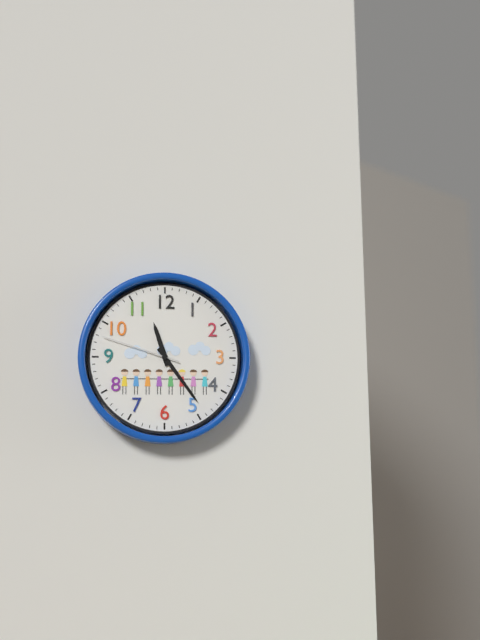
h=11 m=24 s=48
